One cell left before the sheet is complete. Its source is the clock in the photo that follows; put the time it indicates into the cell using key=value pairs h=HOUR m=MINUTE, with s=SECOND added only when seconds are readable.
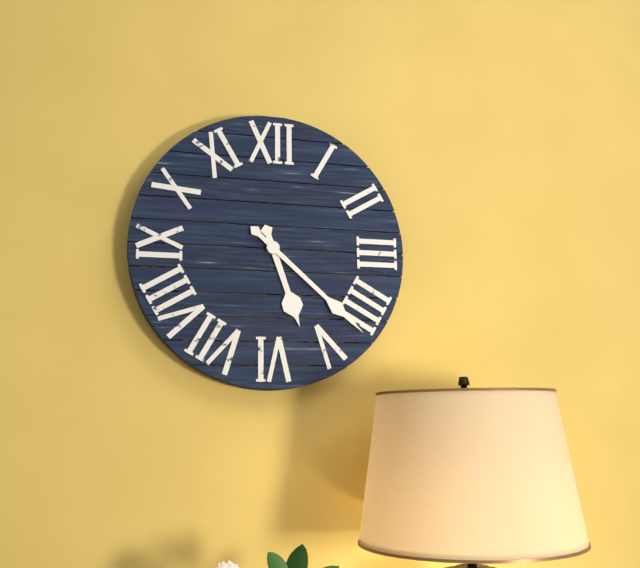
h=5 m=22
